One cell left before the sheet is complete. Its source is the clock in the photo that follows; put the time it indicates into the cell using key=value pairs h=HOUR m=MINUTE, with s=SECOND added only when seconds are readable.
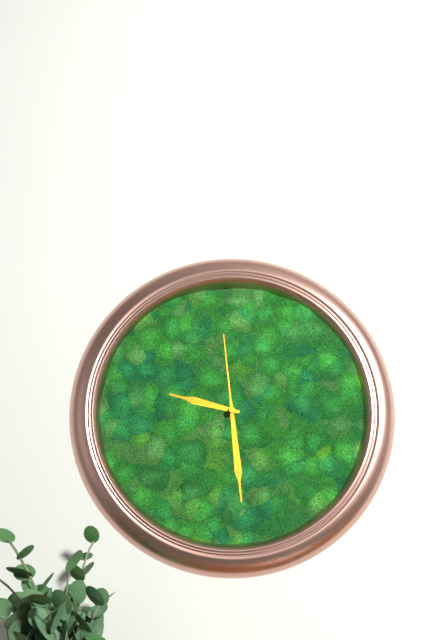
h=9 m=29 s=59
